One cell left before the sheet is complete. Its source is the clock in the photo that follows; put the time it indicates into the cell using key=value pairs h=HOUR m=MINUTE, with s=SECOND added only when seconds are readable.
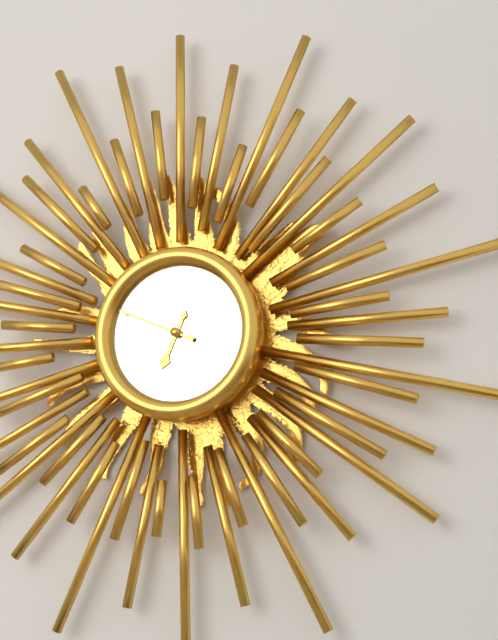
h=6 m=49
